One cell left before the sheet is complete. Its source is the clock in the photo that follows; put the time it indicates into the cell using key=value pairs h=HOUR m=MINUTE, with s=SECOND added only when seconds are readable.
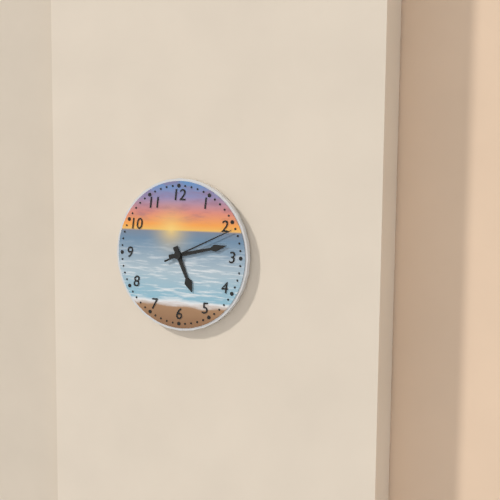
h=5 m=13 s=11
